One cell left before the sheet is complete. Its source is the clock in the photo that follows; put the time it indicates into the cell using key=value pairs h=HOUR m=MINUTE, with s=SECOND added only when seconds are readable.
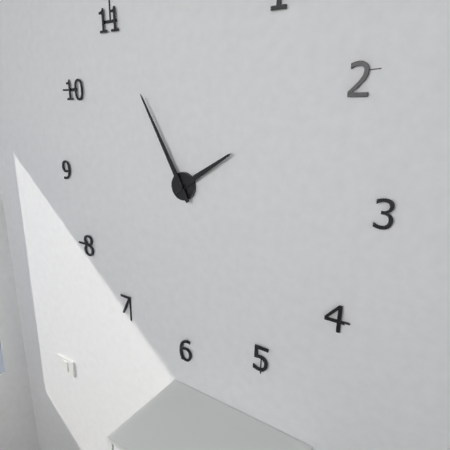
h=1 m=55
